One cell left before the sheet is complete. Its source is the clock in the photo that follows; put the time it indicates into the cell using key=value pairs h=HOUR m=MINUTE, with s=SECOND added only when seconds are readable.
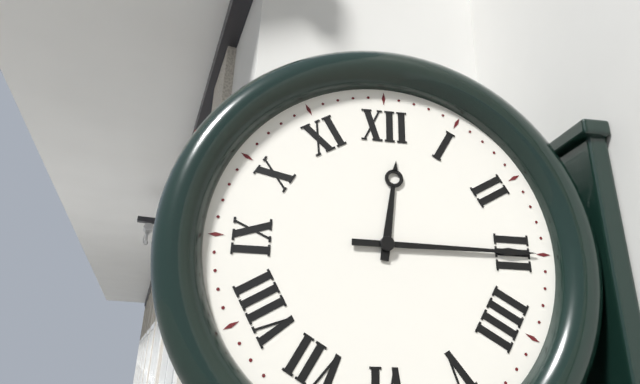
h=12 m=15
